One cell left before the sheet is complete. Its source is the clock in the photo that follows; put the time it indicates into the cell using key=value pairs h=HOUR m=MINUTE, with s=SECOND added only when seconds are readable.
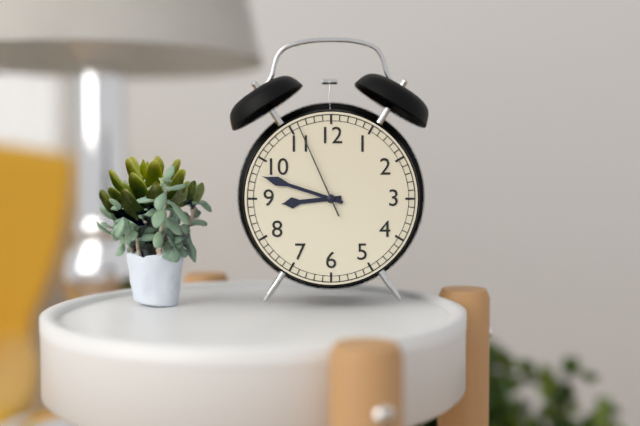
h=8 m=48 s=56
